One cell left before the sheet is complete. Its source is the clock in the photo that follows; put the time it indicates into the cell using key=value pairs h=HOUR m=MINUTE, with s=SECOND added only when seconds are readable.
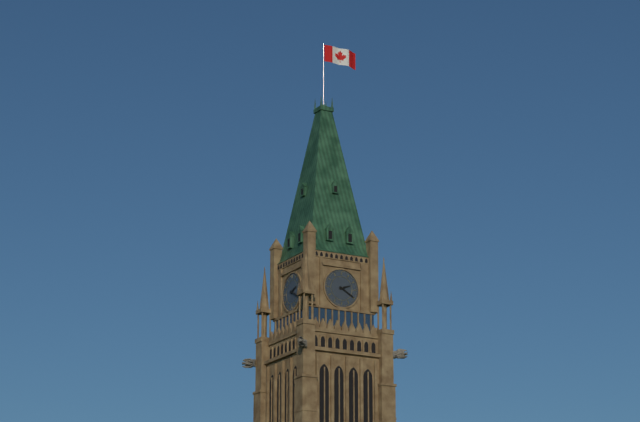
h=2 m=20
